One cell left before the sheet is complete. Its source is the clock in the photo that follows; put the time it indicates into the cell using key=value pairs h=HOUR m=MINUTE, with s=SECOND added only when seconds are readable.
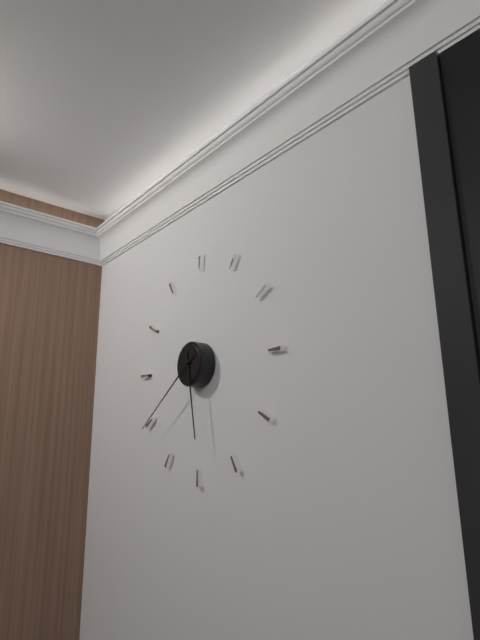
h=5 m=39
